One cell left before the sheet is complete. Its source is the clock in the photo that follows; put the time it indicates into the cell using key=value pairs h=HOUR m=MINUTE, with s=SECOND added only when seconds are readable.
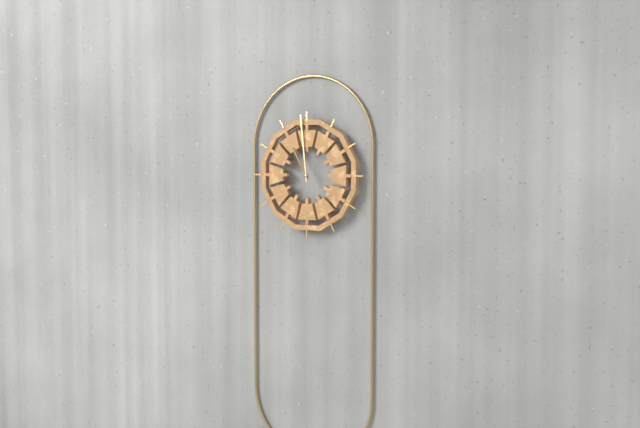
h=10 m=59
